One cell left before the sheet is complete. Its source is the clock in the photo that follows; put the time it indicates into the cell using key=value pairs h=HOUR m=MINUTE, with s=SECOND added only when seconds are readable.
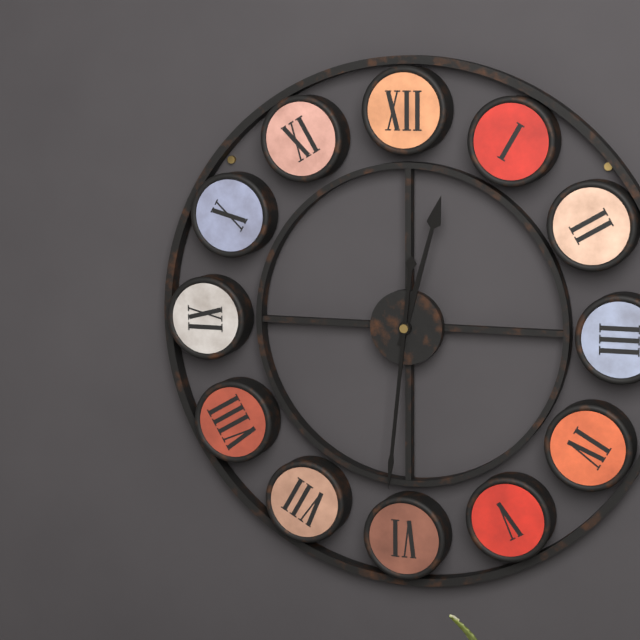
h=12 m=31
